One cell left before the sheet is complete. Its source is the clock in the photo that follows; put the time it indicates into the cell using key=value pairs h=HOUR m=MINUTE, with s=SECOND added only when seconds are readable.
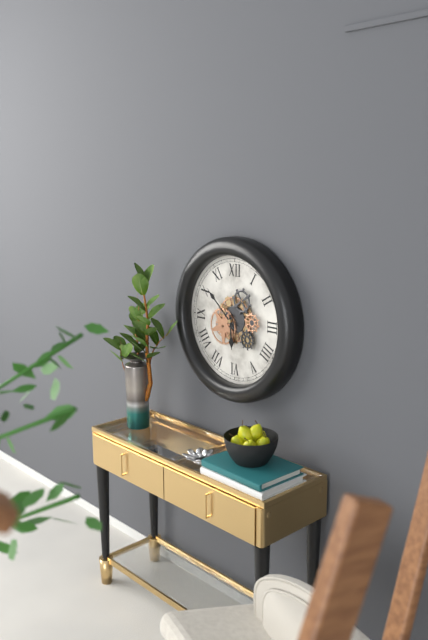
h=5 m=52
